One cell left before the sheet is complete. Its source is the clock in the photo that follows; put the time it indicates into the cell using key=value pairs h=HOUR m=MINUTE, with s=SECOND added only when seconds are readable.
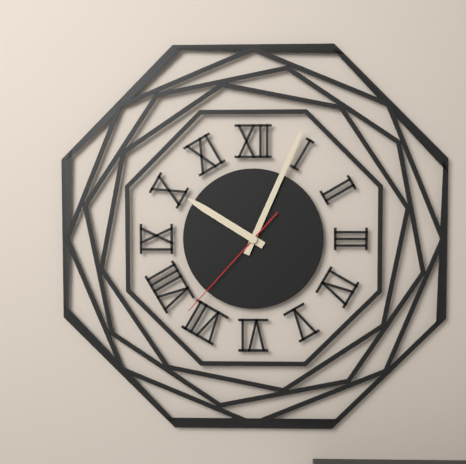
h=10 m=4 s=37
